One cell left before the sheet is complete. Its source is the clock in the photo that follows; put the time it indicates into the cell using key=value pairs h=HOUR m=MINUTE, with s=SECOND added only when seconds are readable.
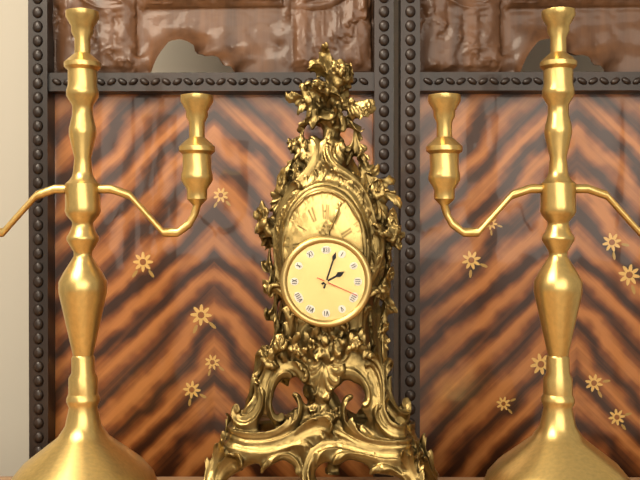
h=2 m=3
